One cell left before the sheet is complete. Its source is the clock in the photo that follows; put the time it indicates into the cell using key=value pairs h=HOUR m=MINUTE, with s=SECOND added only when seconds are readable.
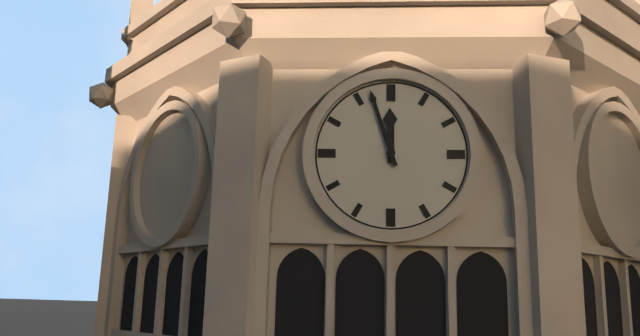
h=11 m=57
